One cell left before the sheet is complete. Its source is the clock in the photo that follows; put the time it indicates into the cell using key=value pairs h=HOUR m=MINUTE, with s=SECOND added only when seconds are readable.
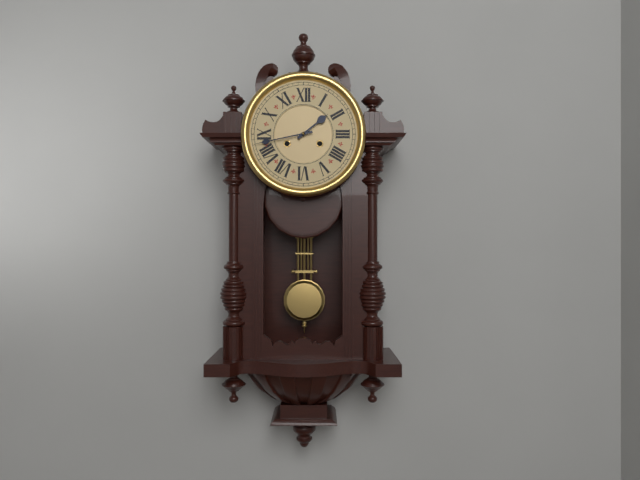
h=1 m=43
